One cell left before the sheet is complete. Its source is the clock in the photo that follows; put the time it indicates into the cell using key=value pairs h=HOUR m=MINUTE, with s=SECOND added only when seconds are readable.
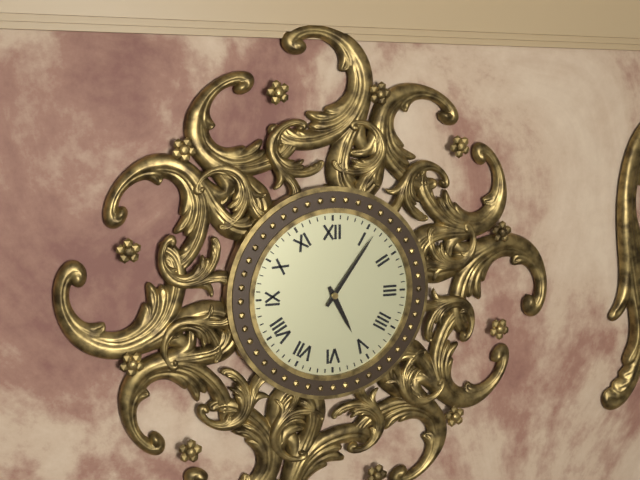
h=5 m=6
